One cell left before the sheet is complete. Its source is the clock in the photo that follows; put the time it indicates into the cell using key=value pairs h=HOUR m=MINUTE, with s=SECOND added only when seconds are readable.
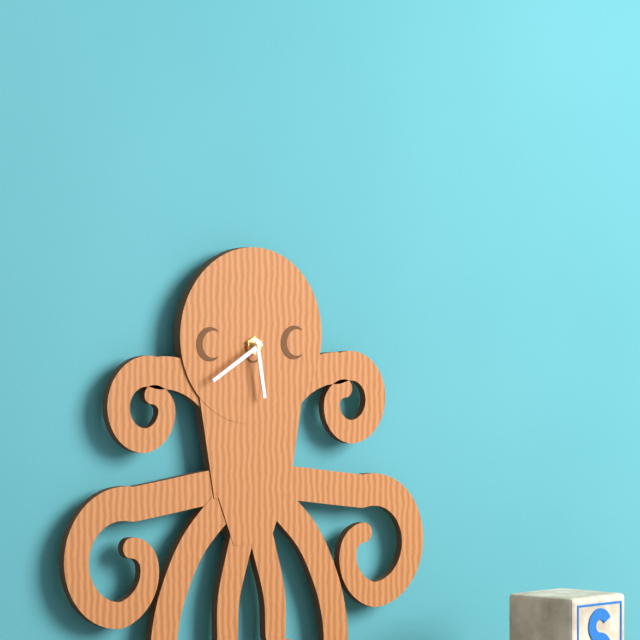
h=5 m=40
